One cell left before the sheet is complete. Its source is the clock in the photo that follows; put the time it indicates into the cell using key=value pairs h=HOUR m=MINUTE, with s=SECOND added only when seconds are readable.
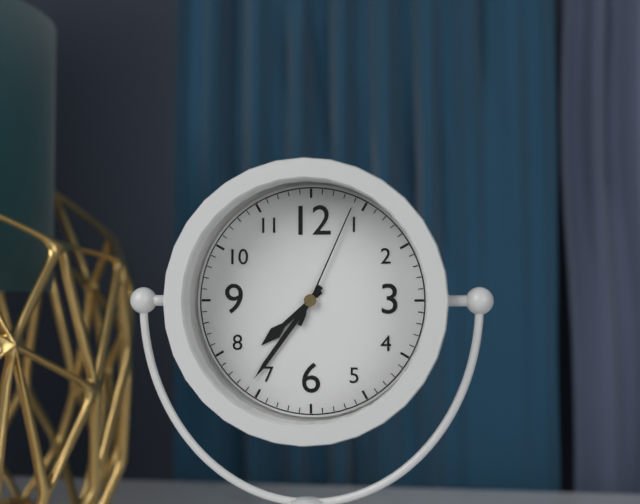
h=7 m=36 s=4
